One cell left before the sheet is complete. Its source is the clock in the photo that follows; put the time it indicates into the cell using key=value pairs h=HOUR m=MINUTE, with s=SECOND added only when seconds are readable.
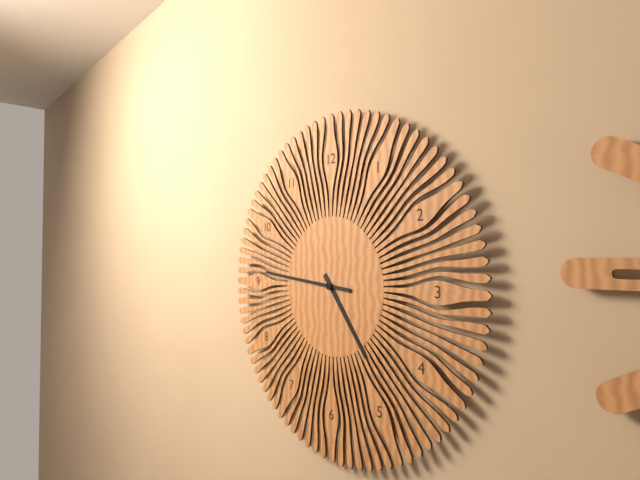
h=4 m=46
